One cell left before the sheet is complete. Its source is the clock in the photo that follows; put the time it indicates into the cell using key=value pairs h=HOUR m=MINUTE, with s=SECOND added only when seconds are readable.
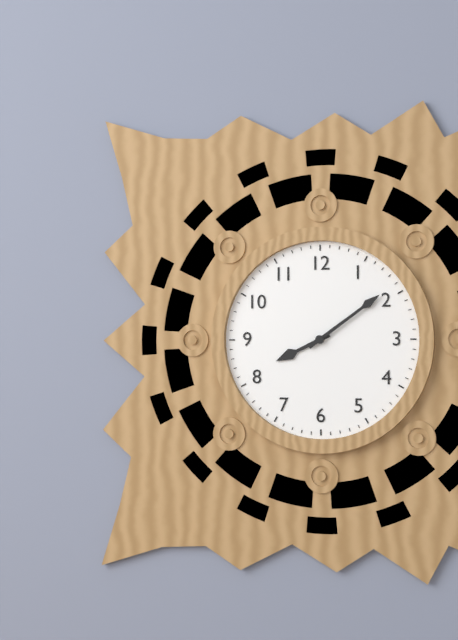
h=8 m=9
